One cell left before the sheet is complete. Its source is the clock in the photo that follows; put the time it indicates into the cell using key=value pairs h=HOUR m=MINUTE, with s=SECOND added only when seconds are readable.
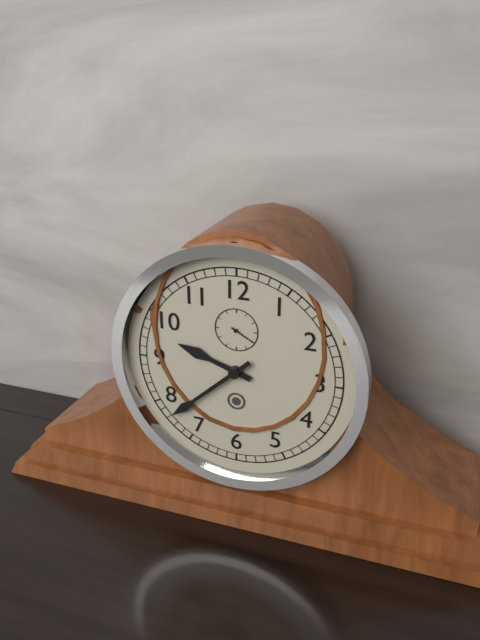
h=9 m=38
